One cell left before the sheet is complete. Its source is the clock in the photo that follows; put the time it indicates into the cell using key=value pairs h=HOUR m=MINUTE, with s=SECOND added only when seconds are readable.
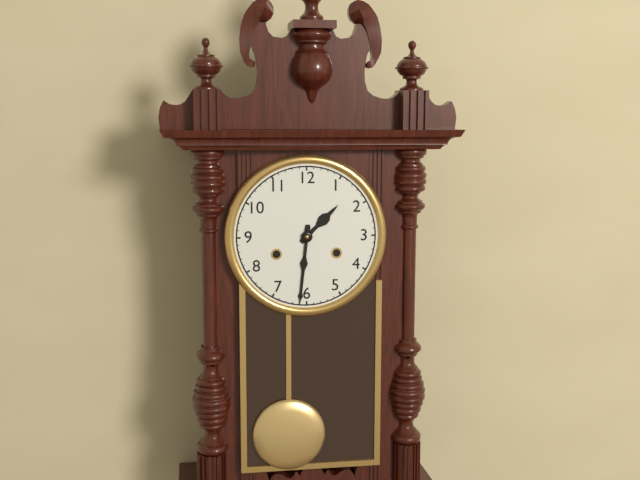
h=1 m=31
